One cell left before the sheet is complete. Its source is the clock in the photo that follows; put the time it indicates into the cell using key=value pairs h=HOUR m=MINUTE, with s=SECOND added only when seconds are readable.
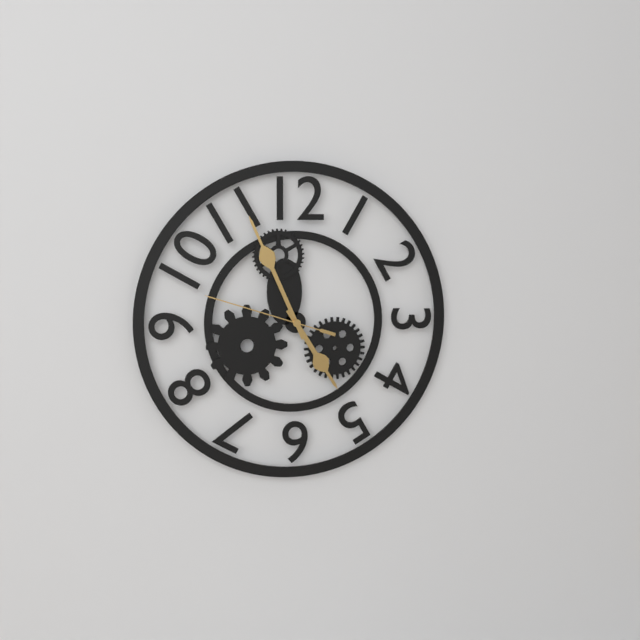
h=4 m=56 s=48
